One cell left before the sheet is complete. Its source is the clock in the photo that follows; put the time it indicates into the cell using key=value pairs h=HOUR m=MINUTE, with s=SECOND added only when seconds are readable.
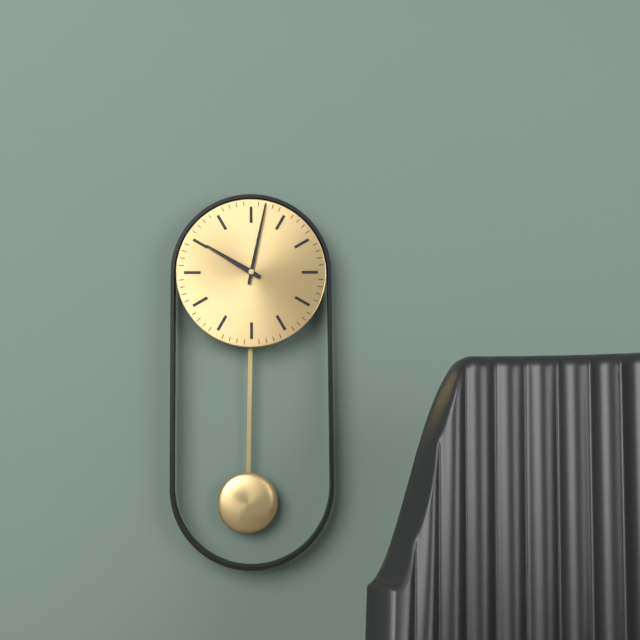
h=10 m=2
